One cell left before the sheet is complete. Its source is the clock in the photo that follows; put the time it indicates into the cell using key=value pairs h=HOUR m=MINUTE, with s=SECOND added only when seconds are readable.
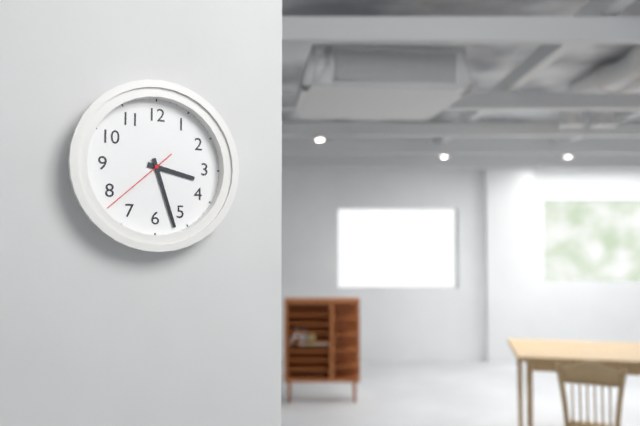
h=3 m=27 s=38
